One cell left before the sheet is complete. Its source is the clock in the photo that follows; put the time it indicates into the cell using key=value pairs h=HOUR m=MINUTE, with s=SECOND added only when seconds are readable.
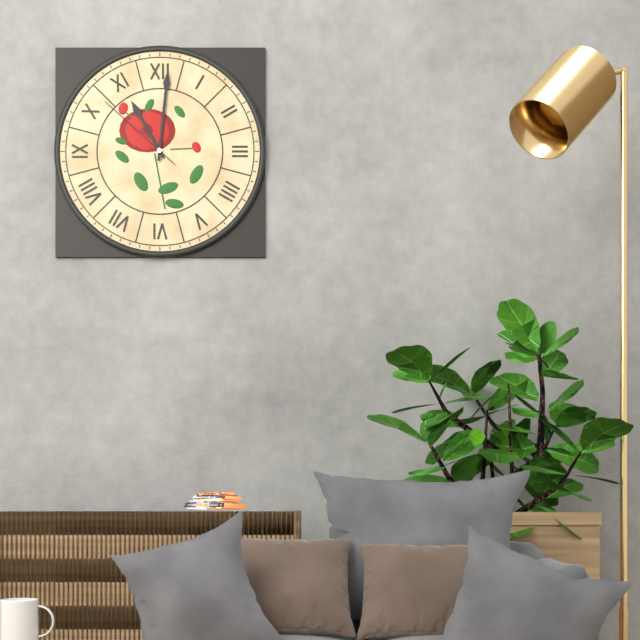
h=11 m=1 s=52
